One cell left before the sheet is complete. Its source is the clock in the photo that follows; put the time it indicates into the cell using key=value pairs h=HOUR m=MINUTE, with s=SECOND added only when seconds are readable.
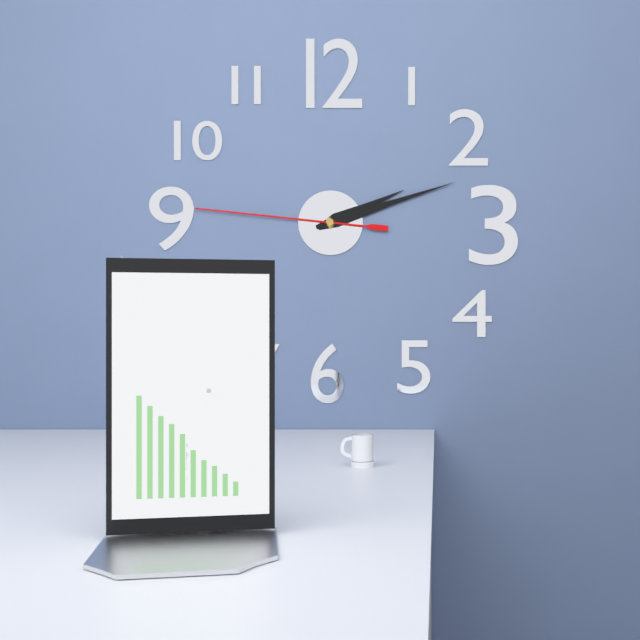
h=2 m=12 s=46
